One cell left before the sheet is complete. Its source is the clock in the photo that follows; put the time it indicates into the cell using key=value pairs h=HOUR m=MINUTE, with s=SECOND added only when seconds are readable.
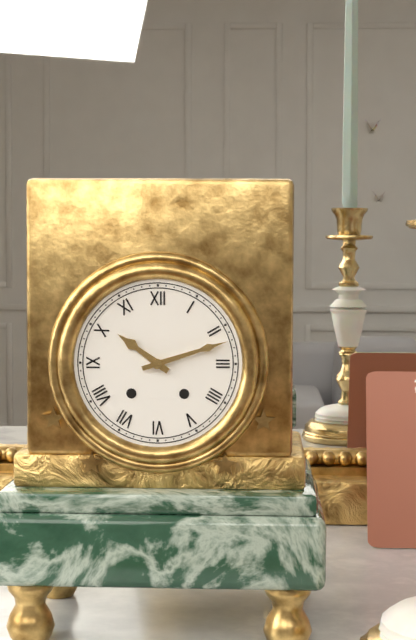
h=10 m=12
